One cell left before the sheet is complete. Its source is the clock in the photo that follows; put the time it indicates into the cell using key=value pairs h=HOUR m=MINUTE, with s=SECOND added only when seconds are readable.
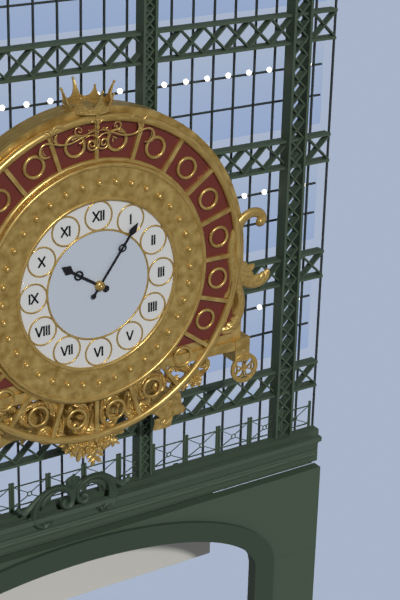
h=10 m=6
